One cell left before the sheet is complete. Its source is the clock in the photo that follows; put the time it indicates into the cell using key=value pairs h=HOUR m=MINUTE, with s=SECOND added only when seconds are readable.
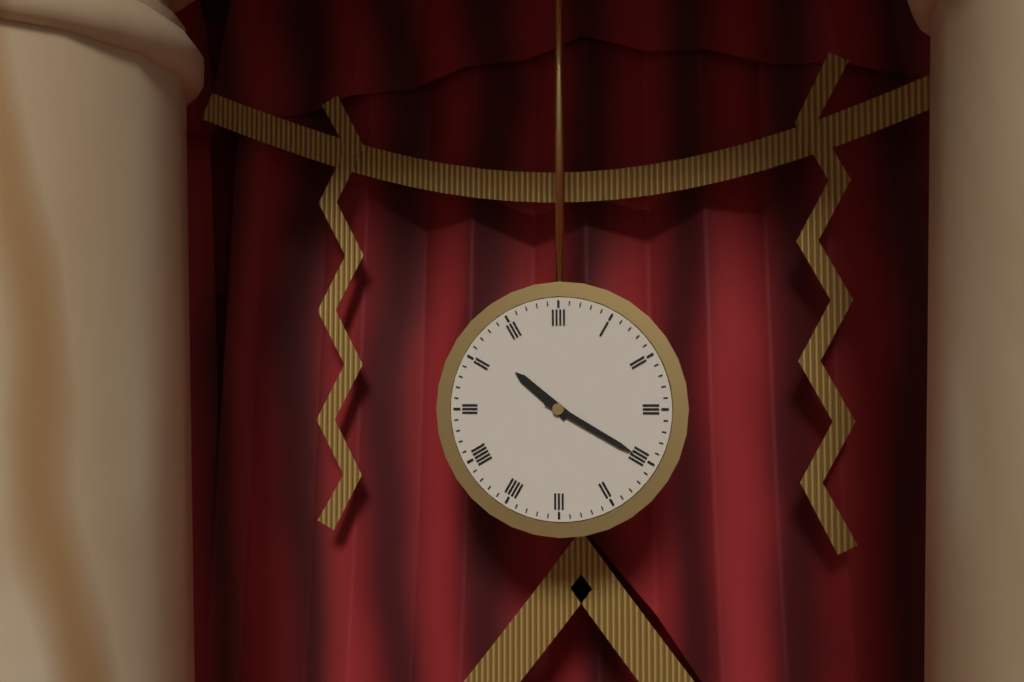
h=10 m=20
